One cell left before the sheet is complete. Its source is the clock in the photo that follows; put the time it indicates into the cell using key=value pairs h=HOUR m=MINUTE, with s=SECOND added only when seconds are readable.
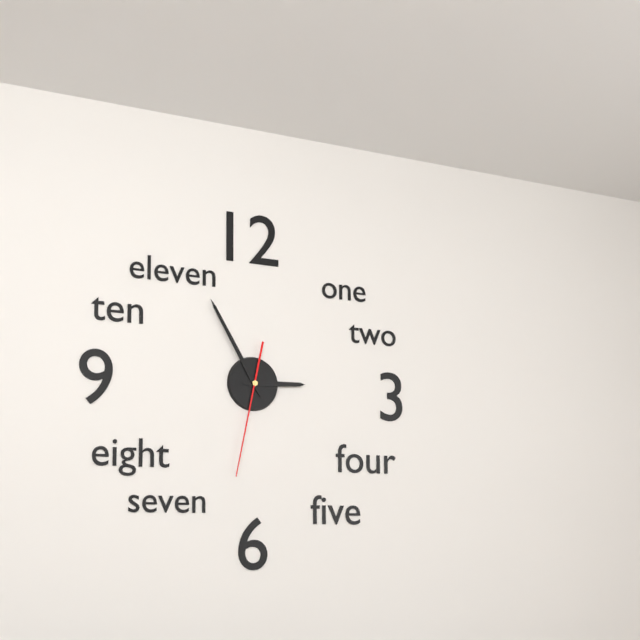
h=2 m=55 s=32
